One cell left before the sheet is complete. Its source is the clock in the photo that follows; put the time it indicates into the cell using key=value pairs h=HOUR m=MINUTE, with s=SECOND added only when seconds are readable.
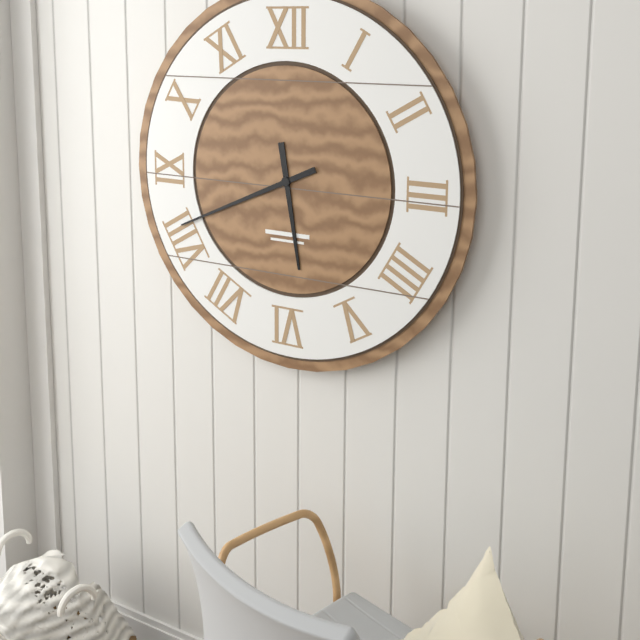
h=5 m=41
